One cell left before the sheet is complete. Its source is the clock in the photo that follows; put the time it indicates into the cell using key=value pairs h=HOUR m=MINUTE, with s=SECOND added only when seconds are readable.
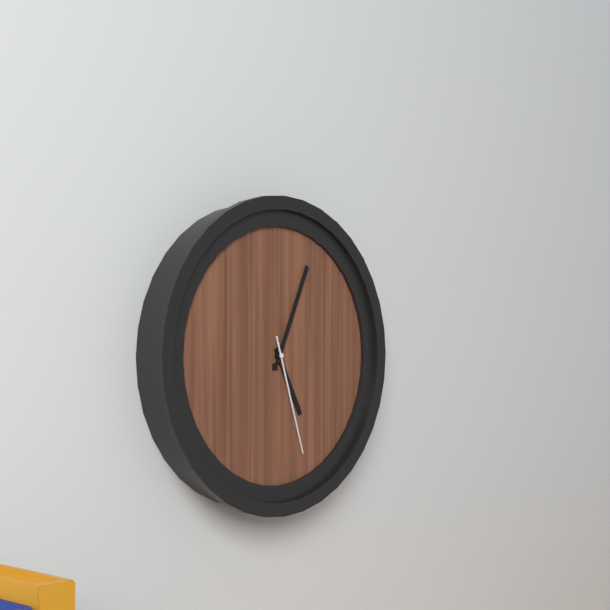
h=5 m=4 s=27
